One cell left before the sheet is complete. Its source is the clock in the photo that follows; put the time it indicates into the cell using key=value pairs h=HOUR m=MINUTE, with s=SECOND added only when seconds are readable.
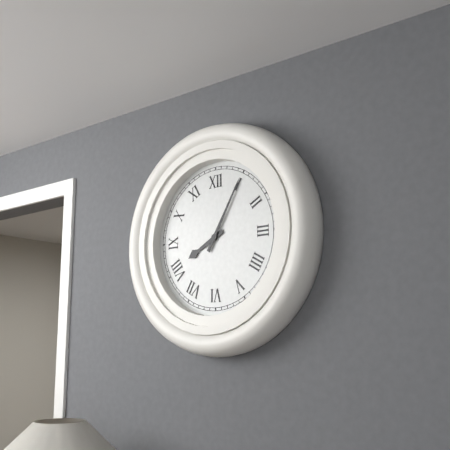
h=8 m=5
